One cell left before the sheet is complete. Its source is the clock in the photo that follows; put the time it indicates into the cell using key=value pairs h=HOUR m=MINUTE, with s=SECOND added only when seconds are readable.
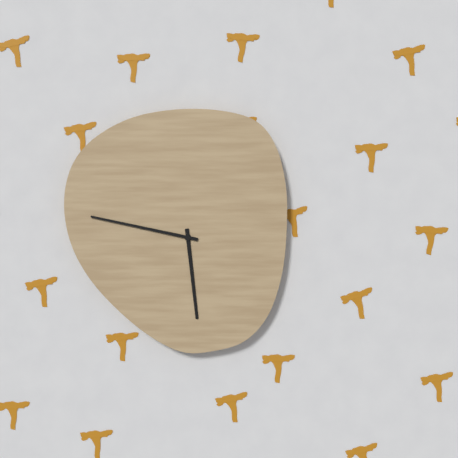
h=5 m=47
